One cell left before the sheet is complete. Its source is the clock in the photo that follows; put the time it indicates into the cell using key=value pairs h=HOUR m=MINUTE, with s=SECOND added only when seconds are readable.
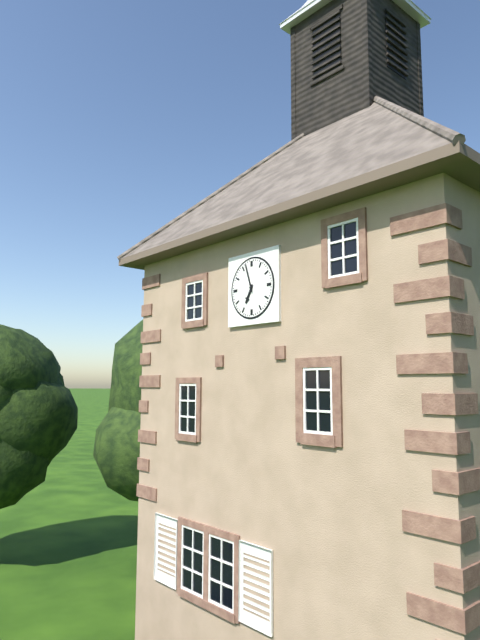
h=6 m=57
